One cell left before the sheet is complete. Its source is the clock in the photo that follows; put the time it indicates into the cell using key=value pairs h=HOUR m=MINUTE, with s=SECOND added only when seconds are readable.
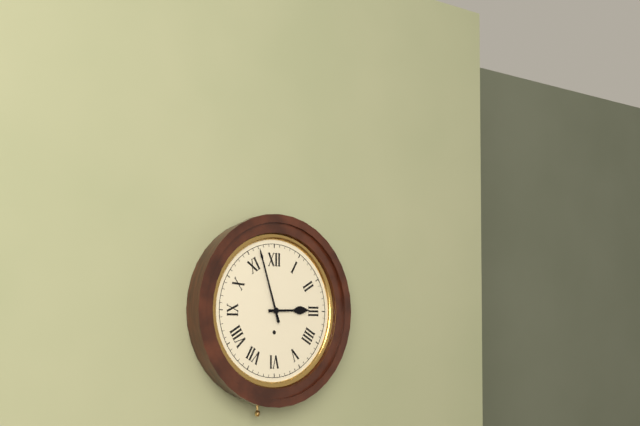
h=2 m=57
